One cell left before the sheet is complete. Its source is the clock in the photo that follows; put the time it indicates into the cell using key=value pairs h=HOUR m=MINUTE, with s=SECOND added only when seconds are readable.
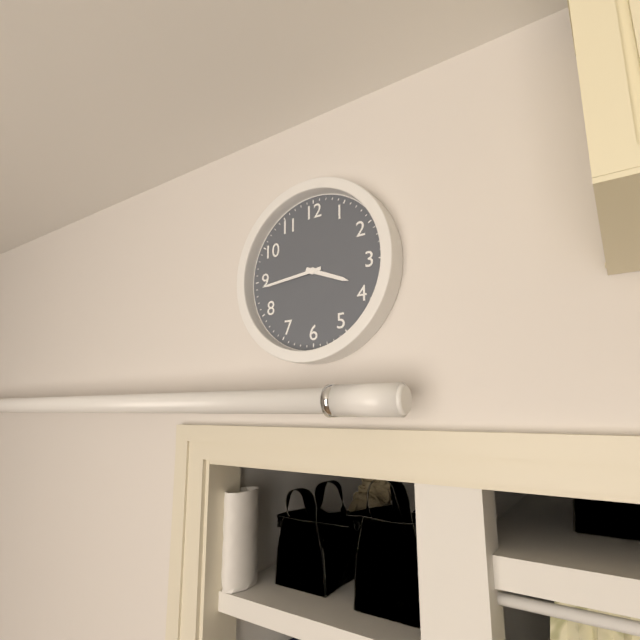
h=3 m=44
